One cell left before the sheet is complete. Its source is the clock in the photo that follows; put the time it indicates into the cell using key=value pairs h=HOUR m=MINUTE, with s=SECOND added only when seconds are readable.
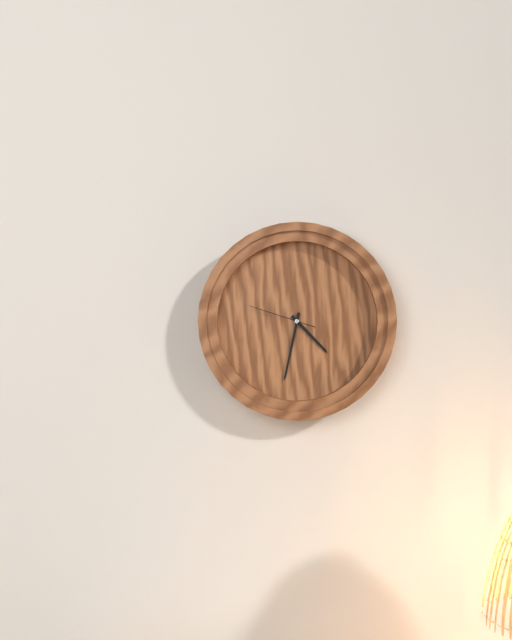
h=4 m=32 s=48
